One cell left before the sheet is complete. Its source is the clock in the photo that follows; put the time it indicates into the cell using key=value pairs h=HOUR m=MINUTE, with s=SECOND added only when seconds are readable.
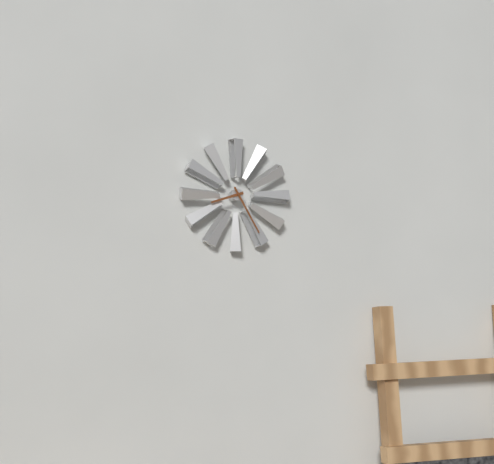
h=8 m=25
